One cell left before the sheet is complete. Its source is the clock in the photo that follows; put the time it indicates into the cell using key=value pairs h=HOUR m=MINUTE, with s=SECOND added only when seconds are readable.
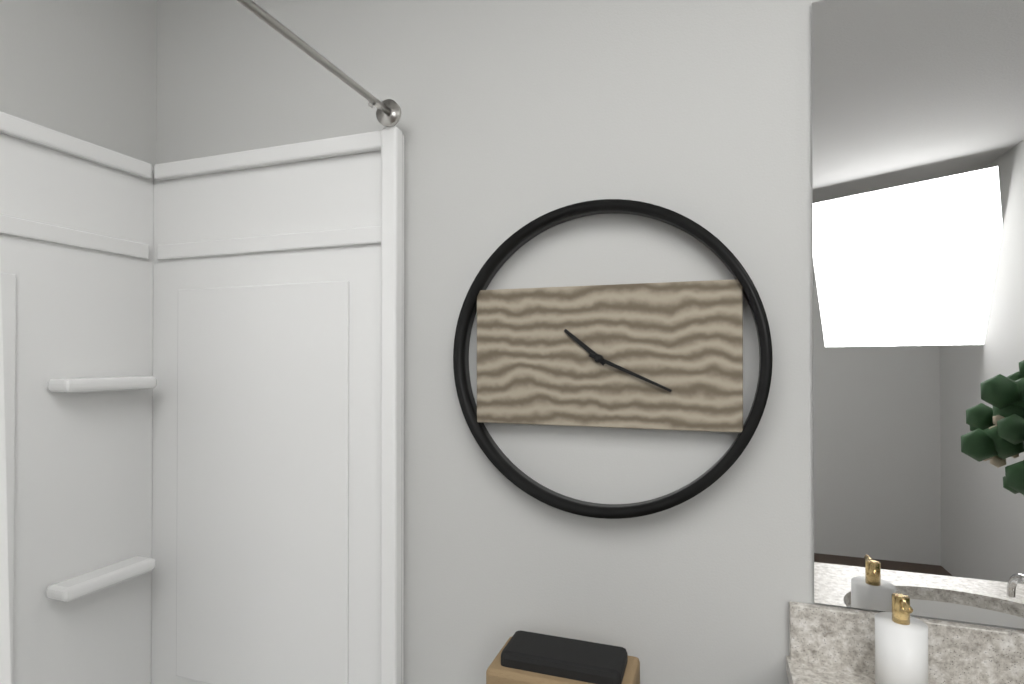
h=10 m=19
